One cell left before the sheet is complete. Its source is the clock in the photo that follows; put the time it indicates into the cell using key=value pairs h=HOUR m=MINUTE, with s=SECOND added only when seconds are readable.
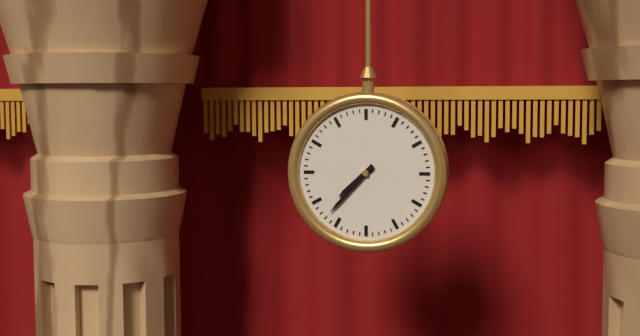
h=7 m=37
